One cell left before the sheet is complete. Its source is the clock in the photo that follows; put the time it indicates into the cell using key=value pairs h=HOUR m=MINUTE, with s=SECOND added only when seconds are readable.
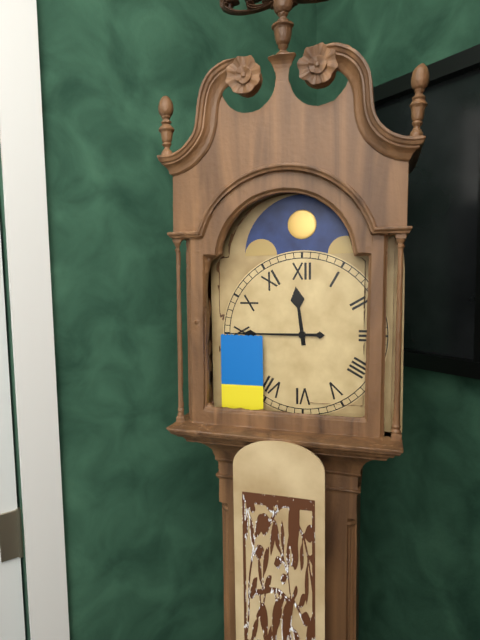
h=11 m=45
